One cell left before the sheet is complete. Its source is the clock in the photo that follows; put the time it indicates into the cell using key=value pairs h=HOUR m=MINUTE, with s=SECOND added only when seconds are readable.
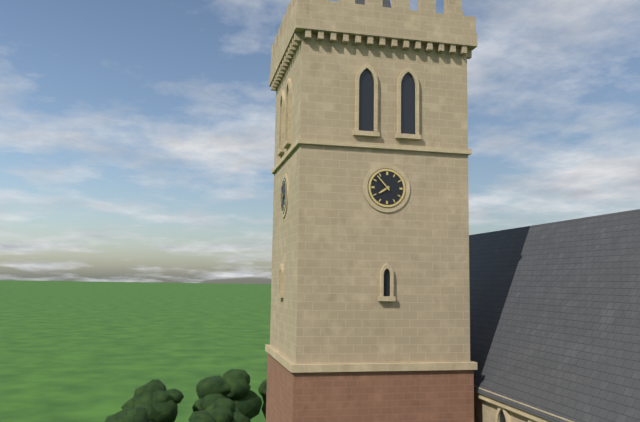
h=7 m=53
